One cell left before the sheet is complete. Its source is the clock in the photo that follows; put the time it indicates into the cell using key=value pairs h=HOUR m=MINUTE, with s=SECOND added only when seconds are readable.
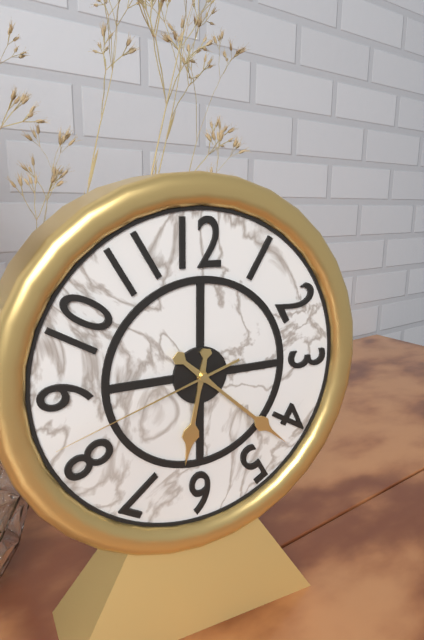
h=6 m=22 s=42
